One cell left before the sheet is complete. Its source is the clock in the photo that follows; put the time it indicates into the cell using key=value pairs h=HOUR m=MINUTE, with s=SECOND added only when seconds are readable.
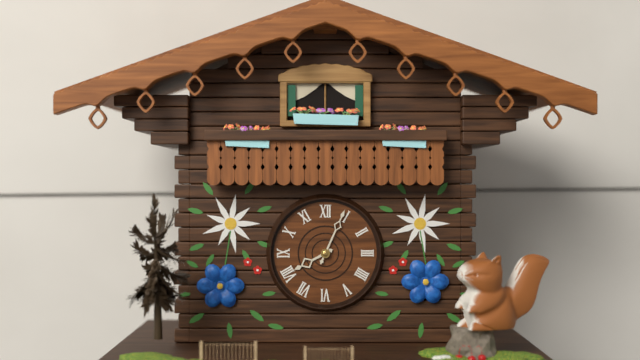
h=8 m=4
